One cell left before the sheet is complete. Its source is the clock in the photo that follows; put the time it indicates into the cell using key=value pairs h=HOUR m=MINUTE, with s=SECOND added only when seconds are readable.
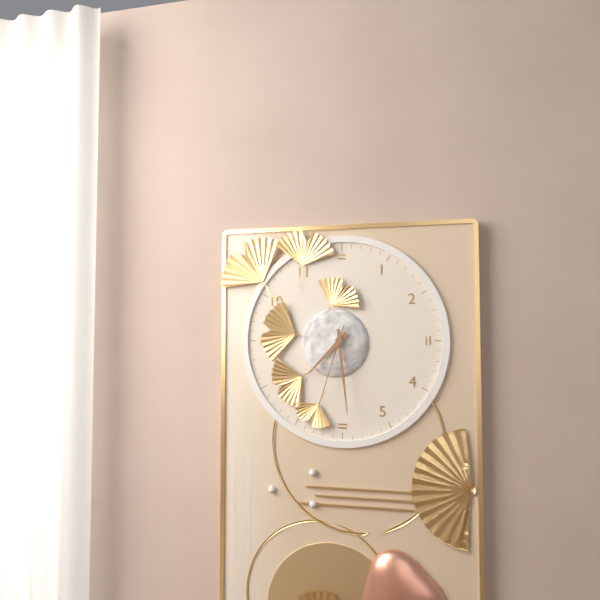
h=7 m=29 s=33
